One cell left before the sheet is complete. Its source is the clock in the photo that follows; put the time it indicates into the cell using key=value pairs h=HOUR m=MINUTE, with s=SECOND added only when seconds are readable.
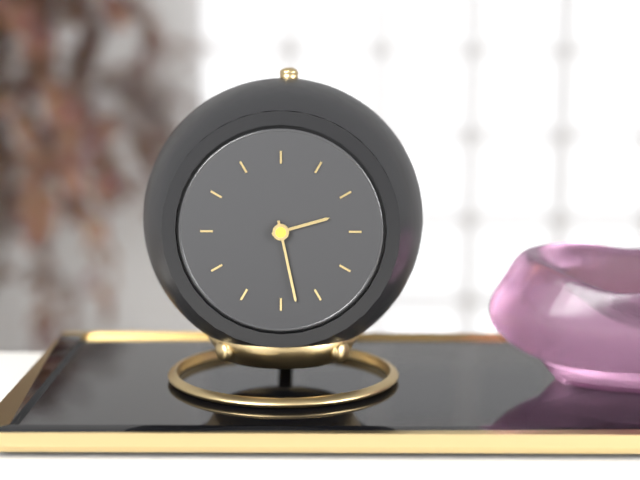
h=2 m=28
